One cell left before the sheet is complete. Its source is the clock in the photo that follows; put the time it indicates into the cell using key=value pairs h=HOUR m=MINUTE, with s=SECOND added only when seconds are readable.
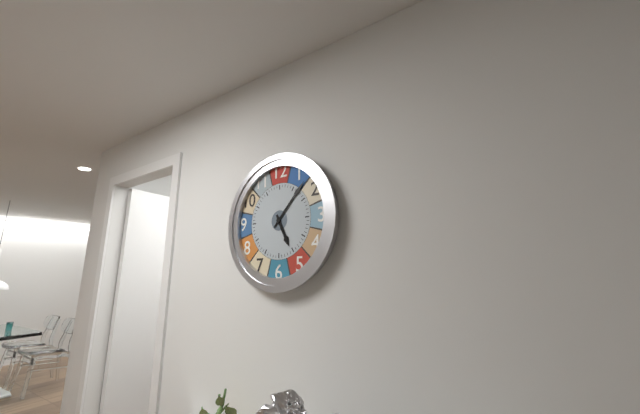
h=5 m=7
